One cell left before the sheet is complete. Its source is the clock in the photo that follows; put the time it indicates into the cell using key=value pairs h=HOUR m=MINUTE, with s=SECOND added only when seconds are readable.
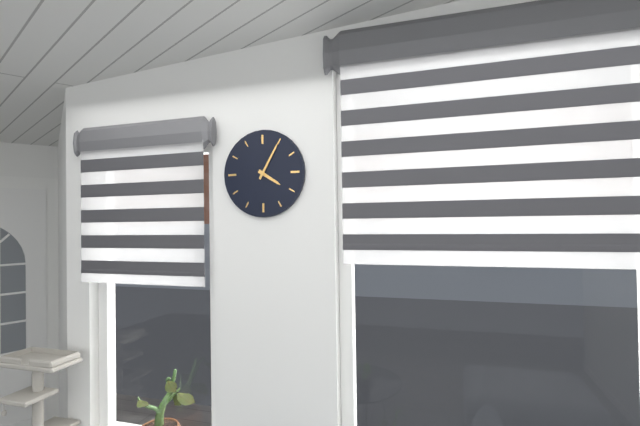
h=4 m=5
